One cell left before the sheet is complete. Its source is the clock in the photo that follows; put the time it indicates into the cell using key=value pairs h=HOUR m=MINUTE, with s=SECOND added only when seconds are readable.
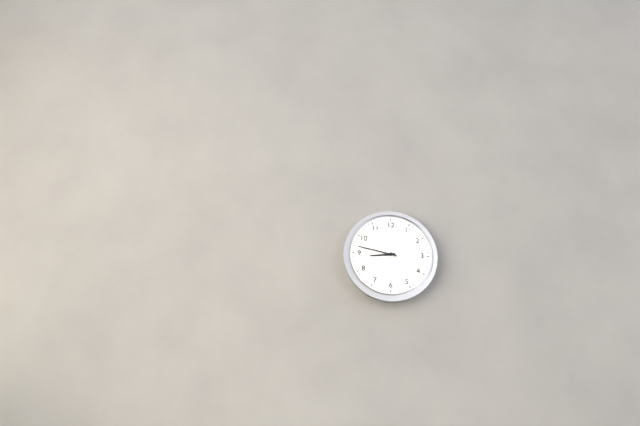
h=8 m=47
